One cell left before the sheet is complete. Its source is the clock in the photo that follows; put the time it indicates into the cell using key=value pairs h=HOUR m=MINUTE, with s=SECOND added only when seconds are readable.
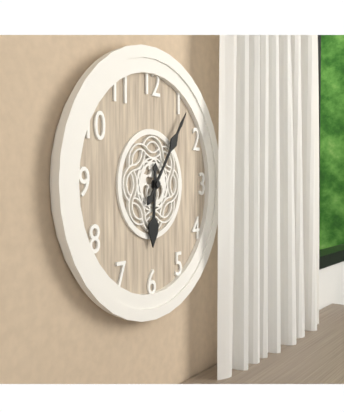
h=6 m=6
